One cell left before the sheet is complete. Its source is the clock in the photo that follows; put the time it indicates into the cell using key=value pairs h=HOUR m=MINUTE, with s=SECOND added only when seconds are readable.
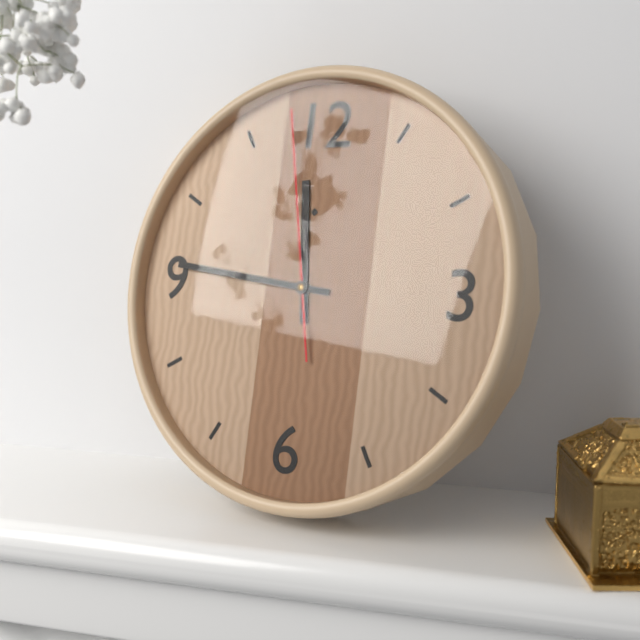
h=11 m=46 s=58
